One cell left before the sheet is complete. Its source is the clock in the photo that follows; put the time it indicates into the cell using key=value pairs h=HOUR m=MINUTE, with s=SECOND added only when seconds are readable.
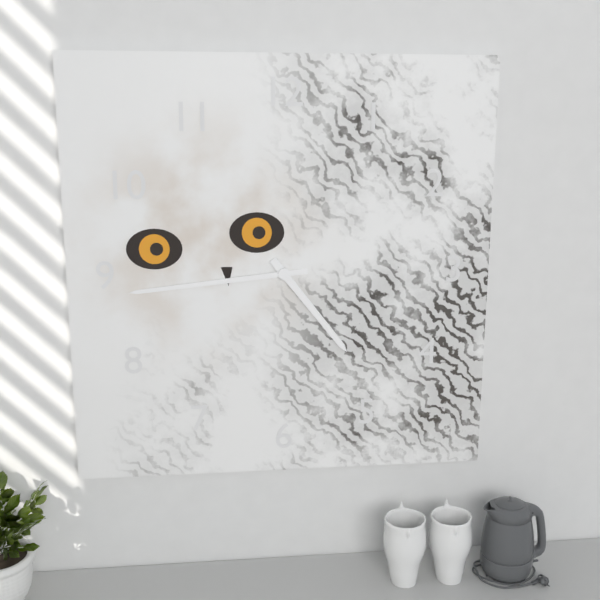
h=4 m=44
